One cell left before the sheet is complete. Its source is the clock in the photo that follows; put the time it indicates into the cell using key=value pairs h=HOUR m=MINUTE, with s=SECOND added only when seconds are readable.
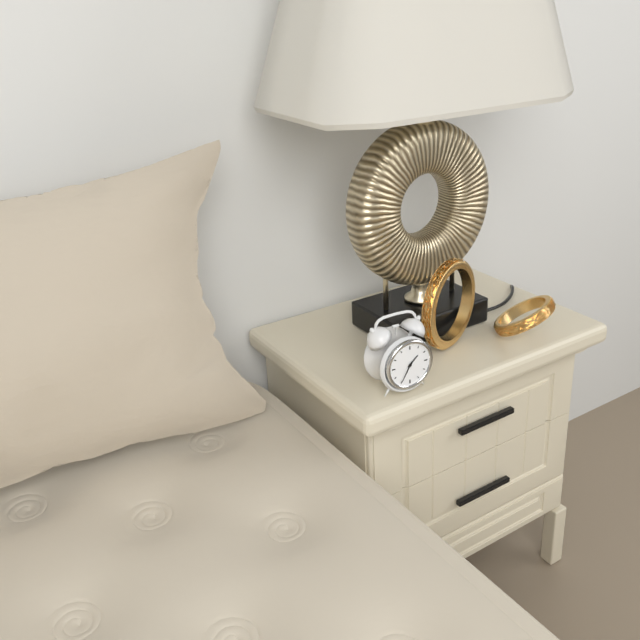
h=1 m=35
